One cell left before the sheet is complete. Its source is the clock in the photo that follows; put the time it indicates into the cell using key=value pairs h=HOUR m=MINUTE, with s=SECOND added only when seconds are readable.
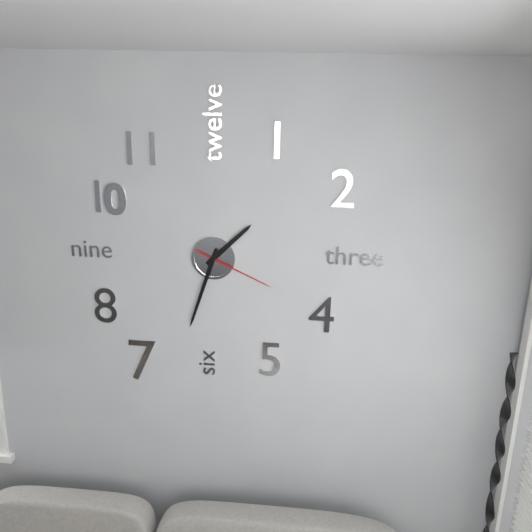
h=1 m=33 s=19
